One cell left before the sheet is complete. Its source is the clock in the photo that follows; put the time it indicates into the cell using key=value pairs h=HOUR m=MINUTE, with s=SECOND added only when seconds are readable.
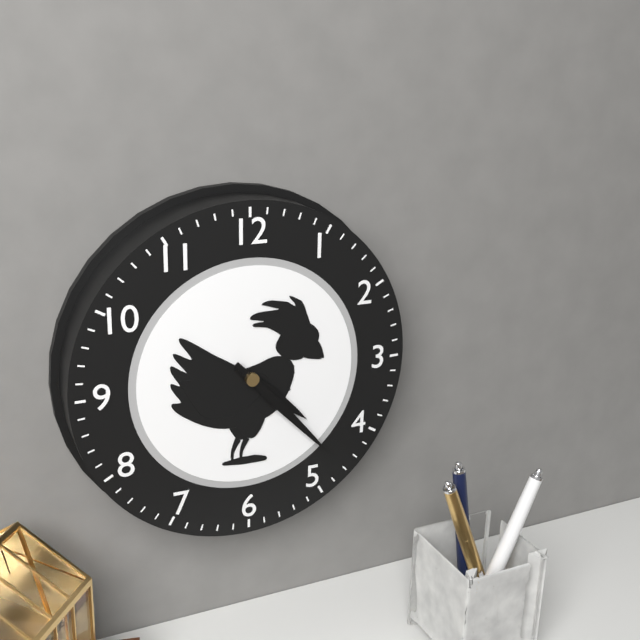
h=4 m=23
